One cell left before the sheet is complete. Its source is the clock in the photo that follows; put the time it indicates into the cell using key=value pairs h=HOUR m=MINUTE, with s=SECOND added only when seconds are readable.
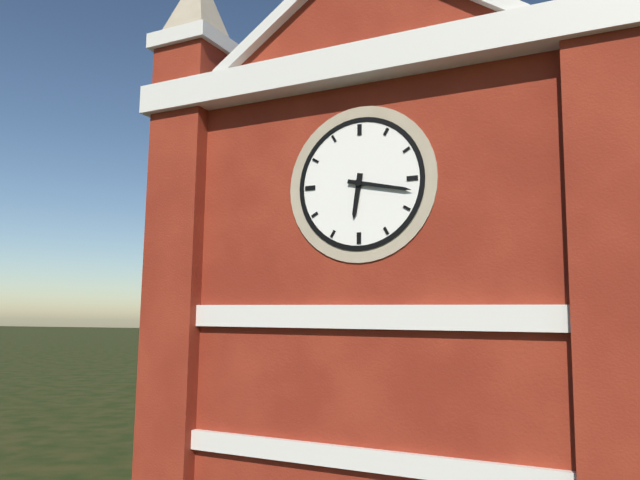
h=6 m=17
